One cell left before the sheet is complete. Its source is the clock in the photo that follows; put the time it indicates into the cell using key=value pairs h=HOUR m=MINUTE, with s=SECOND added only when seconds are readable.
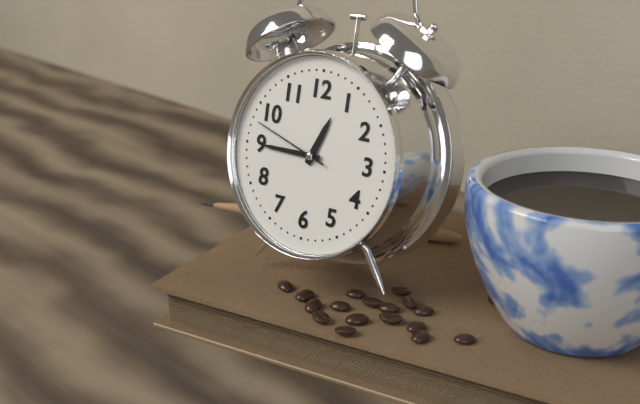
h=12 m=45 s=48
